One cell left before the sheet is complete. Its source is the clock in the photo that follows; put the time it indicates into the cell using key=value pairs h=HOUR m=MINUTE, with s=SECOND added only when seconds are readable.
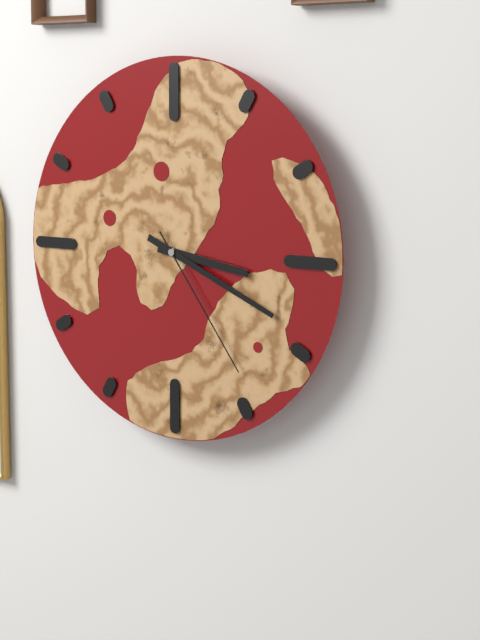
h=3 m=19 s=24
